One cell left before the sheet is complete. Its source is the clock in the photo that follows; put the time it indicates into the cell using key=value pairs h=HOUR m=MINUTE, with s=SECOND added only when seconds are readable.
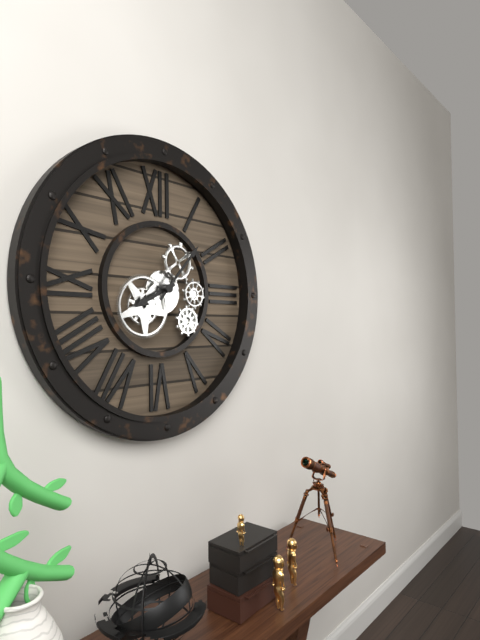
h=8 m=7
